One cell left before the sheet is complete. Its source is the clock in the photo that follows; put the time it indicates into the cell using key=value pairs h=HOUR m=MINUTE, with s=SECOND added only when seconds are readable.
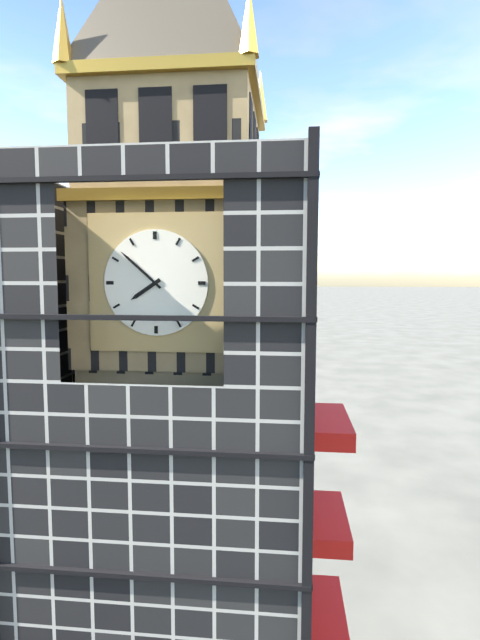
h=7 m=52
